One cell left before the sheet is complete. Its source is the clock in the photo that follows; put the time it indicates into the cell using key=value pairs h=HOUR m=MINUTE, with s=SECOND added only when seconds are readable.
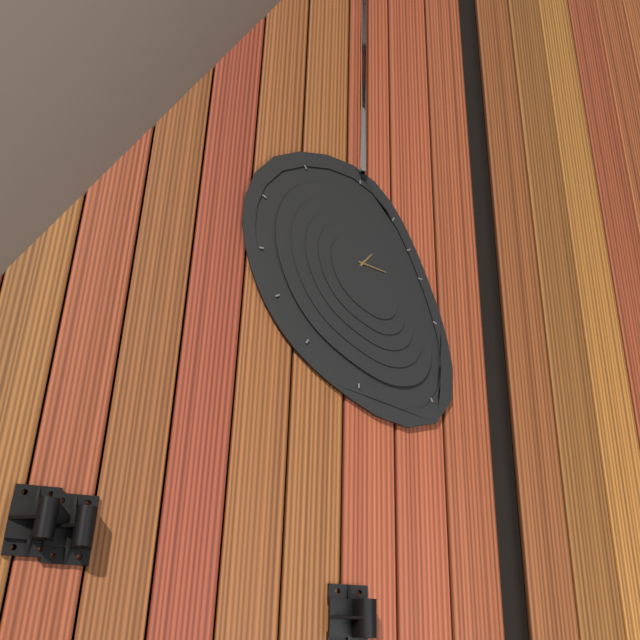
h=1 m=17
